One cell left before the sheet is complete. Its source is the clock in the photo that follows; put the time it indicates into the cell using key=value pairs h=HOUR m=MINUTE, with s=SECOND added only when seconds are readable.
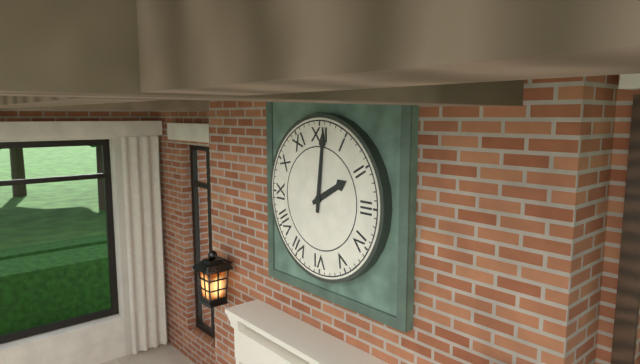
h=2 m=1
